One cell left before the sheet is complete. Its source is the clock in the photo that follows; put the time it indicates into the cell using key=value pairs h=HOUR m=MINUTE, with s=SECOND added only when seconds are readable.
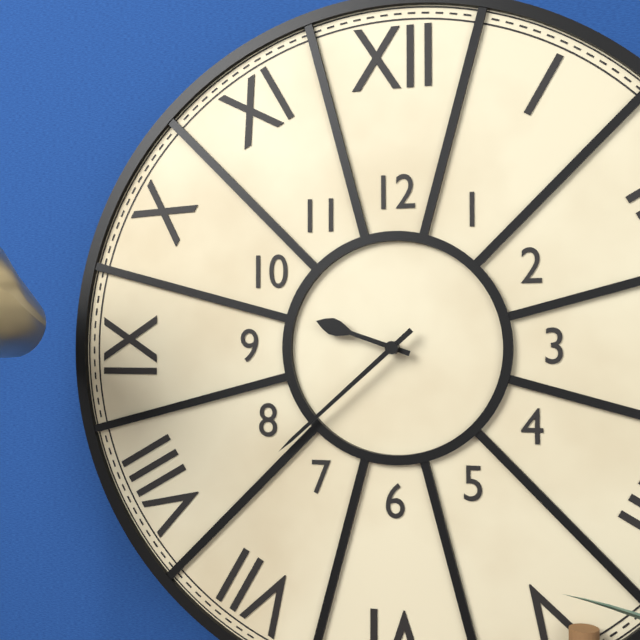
h=9 m=38
